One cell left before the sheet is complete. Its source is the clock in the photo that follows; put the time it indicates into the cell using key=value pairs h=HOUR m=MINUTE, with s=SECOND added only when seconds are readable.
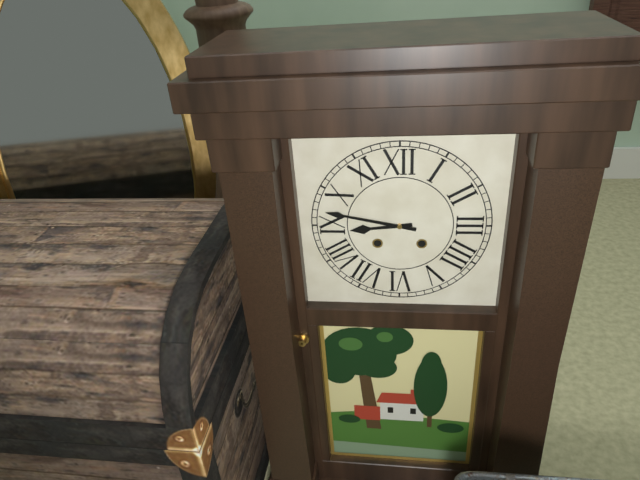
h=8 m=47
